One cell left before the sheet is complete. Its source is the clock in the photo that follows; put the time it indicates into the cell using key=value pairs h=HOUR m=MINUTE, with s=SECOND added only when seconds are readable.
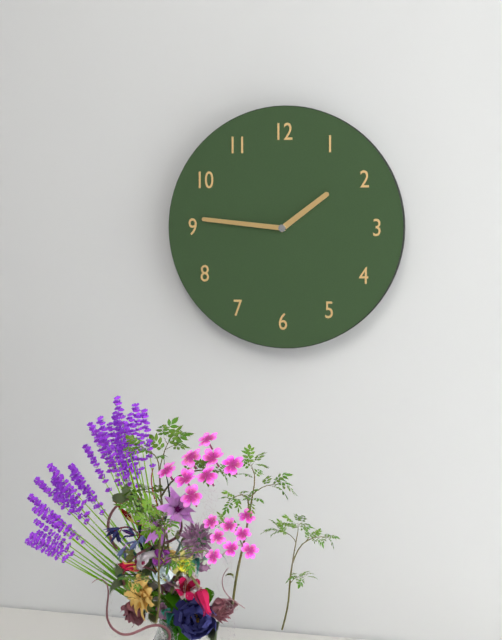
h=1 m=46
